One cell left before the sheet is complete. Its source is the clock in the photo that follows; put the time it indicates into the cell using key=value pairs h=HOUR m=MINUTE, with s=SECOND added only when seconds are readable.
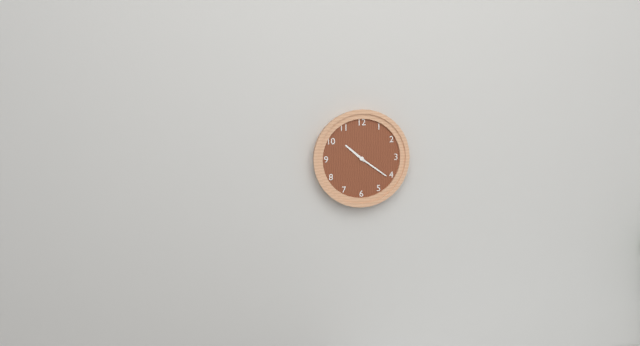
h=10 m=21
